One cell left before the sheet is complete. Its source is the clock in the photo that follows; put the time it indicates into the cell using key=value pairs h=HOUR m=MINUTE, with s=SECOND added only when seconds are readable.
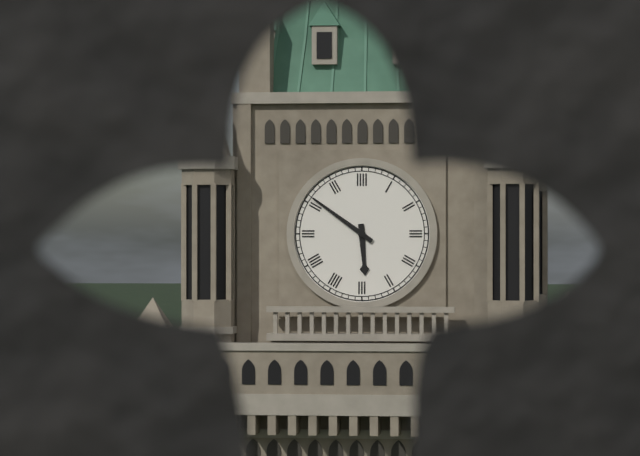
h=5 m=51
